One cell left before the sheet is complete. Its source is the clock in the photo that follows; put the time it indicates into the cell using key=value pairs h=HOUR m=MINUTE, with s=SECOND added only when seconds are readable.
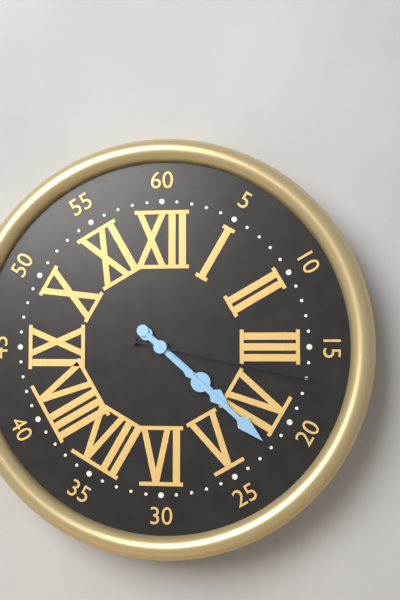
h=4 m=22 s=17
